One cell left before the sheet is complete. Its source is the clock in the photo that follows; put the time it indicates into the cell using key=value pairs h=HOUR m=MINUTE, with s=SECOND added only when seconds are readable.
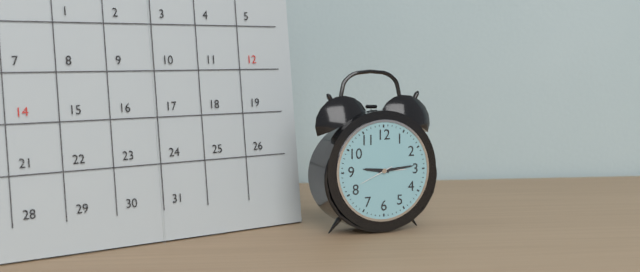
h=9 m=14
